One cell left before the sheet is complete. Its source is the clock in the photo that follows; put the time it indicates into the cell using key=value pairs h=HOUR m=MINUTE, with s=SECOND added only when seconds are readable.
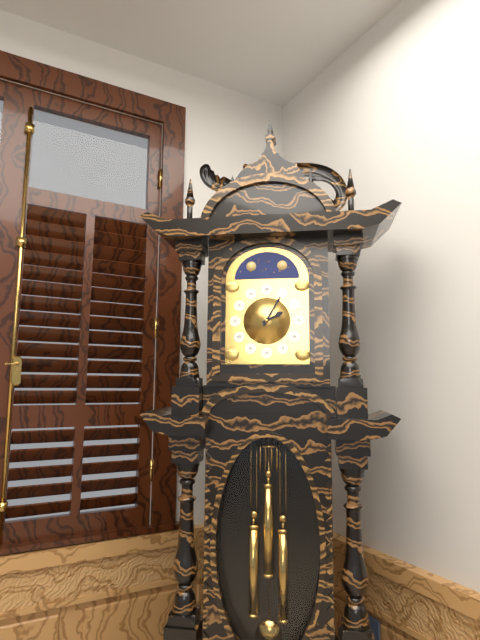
h=2 m=5
